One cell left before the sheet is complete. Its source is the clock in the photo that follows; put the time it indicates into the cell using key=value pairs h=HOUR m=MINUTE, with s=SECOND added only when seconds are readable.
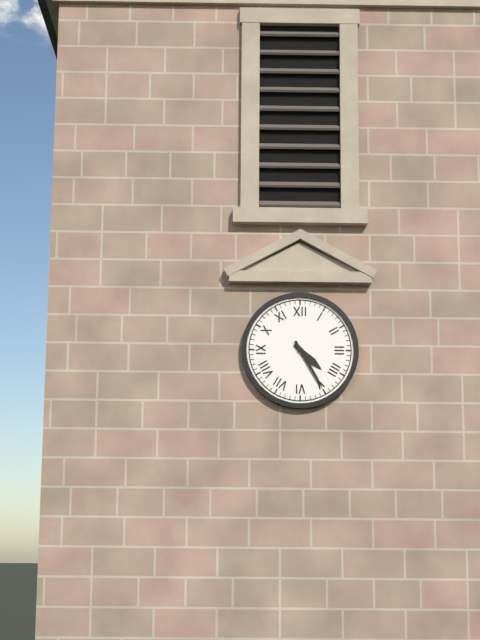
h=4 m=25
